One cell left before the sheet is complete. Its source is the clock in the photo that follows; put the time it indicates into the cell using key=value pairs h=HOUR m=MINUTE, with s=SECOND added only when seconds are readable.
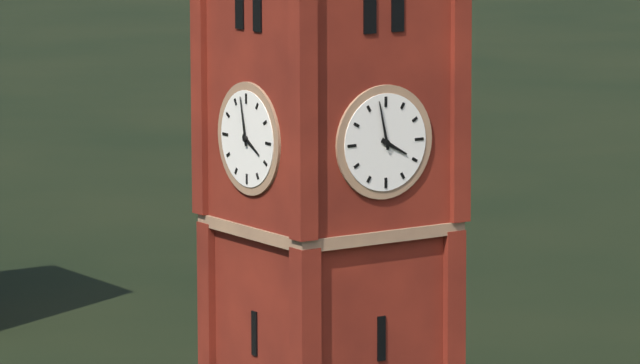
h=3 m=58
